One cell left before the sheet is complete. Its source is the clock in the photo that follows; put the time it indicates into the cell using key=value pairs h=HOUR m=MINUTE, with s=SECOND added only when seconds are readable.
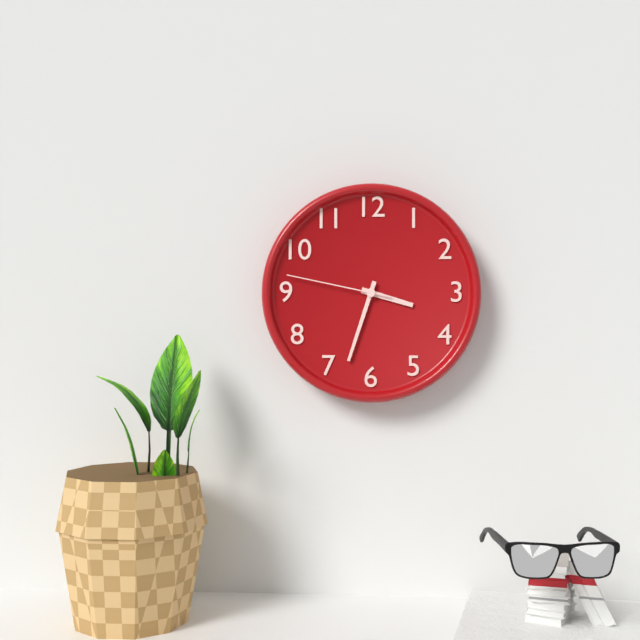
h=3 m=33 s=47
